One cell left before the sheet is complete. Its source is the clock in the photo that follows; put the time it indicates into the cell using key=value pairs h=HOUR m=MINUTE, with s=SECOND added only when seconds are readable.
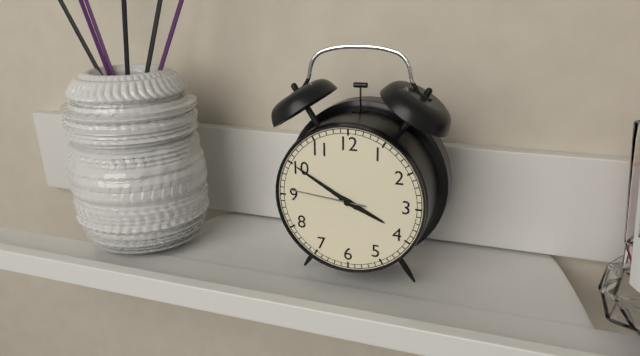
h=3 m=50 s=46
